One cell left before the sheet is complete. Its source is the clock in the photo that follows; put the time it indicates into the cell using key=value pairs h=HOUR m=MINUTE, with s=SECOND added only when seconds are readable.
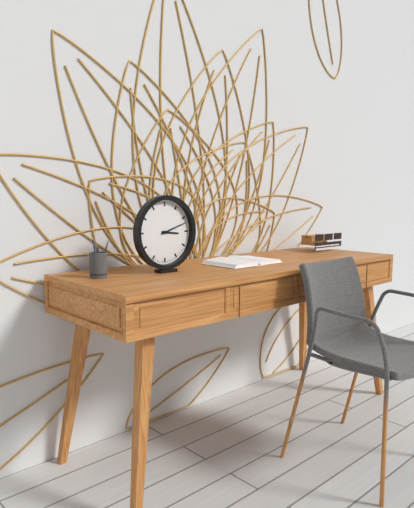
h=3 m=12
